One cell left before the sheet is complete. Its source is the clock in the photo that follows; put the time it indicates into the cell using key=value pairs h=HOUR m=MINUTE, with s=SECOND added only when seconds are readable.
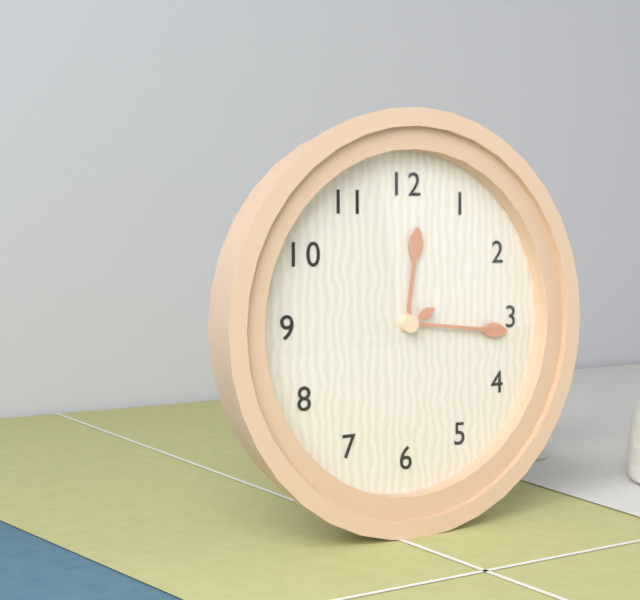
h=12 m=16
